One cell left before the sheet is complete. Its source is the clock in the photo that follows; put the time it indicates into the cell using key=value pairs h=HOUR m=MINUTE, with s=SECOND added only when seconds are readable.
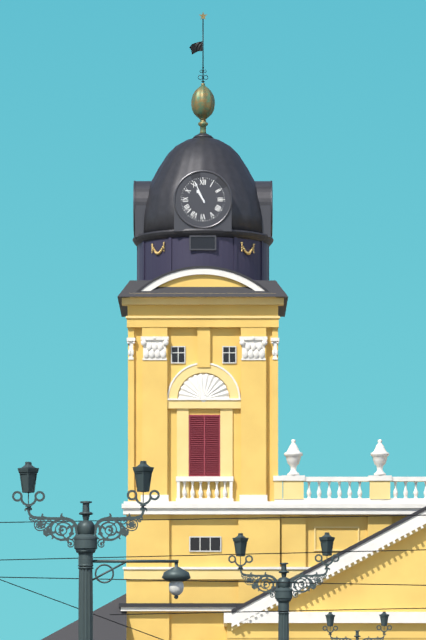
h=10 m=56
